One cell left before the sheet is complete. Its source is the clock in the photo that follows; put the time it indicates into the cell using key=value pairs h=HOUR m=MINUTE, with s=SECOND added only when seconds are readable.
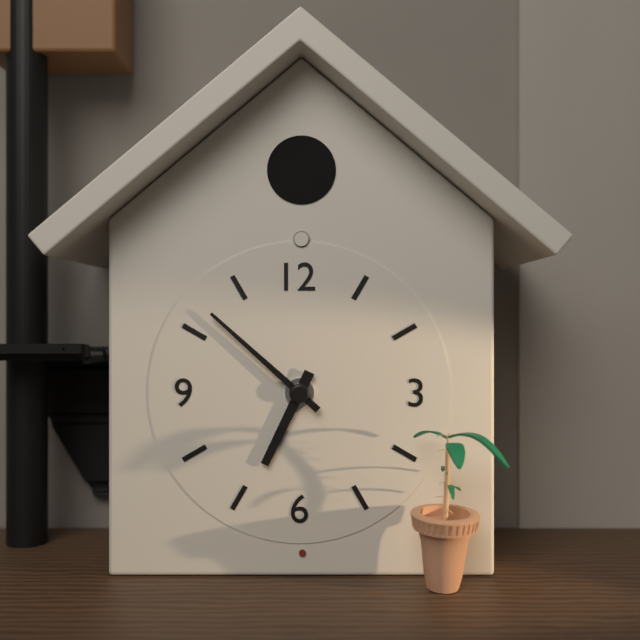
h=6 m=52
